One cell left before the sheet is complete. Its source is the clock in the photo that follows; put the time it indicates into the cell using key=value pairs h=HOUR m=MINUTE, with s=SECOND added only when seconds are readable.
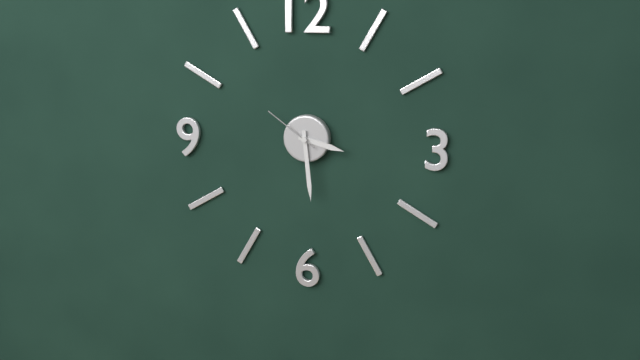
h=3 m=29 s=51
